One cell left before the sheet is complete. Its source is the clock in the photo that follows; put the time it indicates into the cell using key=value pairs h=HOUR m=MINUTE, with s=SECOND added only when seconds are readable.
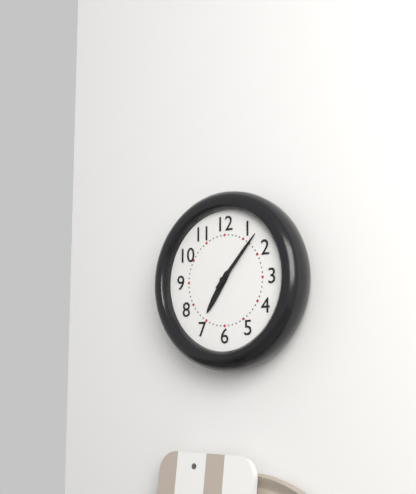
h=7 m=7
